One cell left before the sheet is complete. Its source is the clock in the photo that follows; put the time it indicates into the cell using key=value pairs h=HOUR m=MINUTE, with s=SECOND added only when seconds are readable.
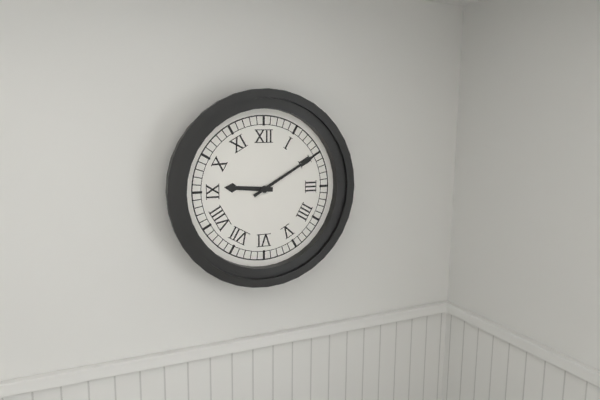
h=9 m=10
